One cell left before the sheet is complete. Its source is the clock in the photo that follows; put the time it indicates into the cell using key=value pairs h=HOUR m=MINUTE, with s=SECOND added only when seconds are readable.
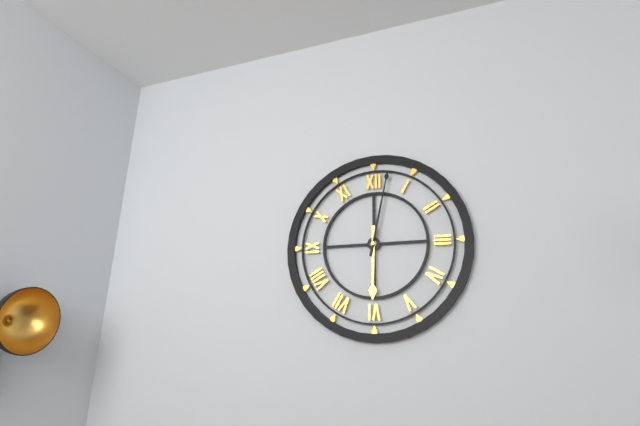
h=6 m=2
